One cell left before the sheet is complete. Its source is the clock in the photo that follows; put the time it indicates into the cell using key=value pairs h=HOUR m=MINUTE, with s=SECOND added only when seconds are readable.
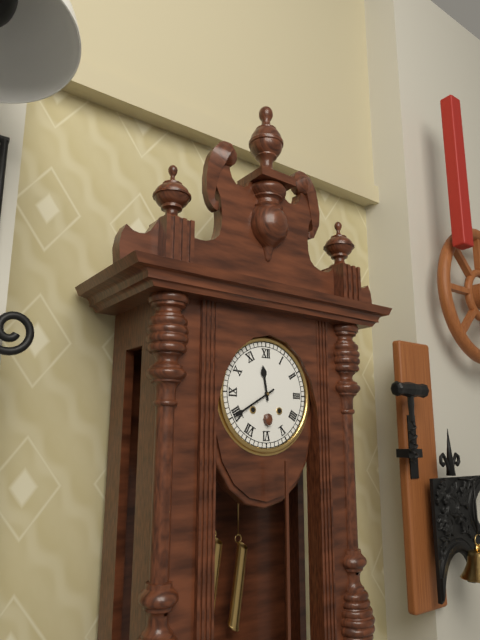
h=11 m=40
